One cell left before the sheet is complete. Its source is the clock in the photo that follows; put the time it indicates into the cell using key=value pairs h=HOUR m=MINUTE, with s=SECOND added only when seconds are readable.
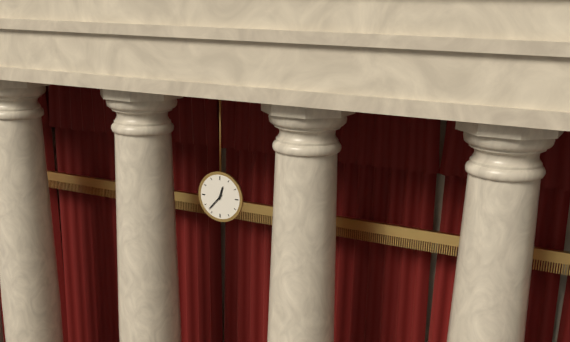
h=12 m=37
